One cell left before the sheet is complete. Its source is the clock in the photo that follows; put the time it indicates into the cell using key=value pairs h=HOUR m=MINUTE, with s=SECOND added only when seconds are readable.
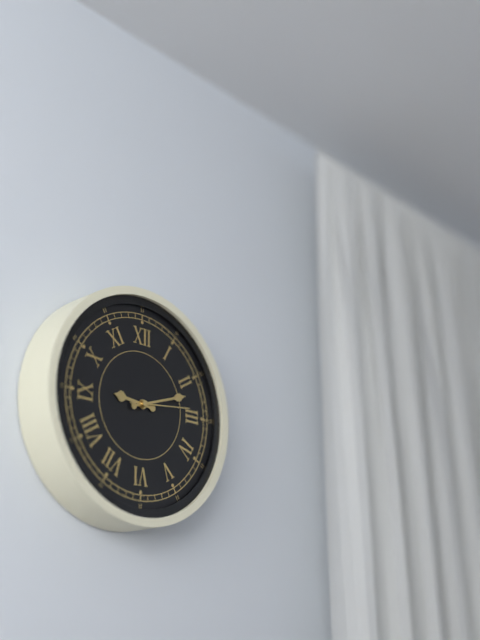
h=9 m=12 s=14
